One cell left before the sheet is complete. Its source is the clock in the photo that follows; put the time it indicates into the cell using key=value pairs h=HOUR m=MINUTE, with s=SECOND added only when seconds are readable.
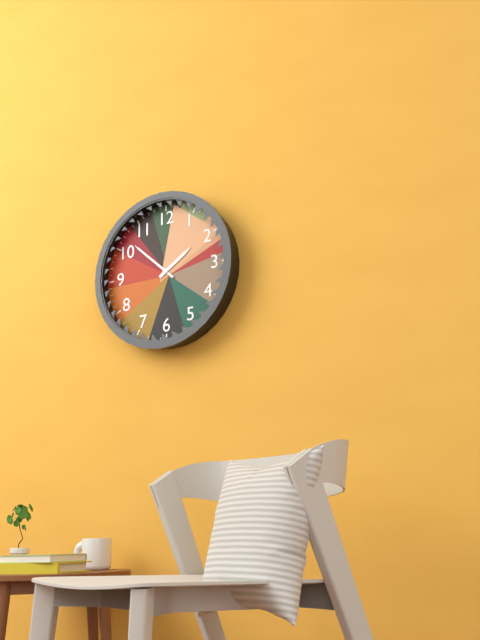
h=1 m=52
